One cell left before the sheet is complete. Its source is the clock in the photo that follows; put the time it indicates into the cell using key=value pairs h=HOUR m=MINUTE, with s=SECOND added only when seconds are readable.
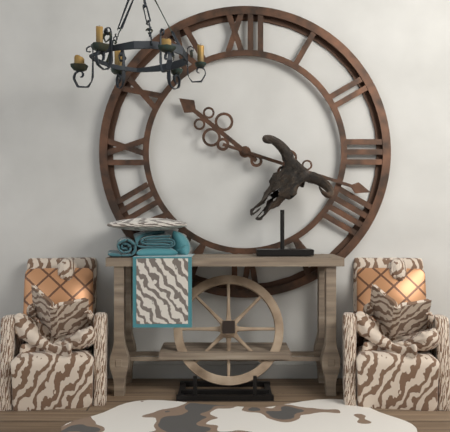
h=10 m=18
